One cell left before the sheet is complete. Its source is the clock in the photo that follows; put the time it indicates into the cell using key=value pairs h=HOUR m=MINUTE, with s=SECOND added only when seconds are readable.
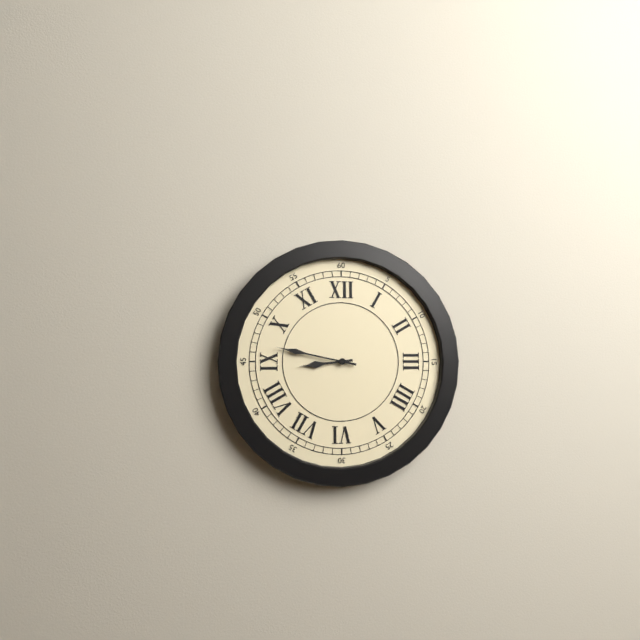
h=8 m=47
